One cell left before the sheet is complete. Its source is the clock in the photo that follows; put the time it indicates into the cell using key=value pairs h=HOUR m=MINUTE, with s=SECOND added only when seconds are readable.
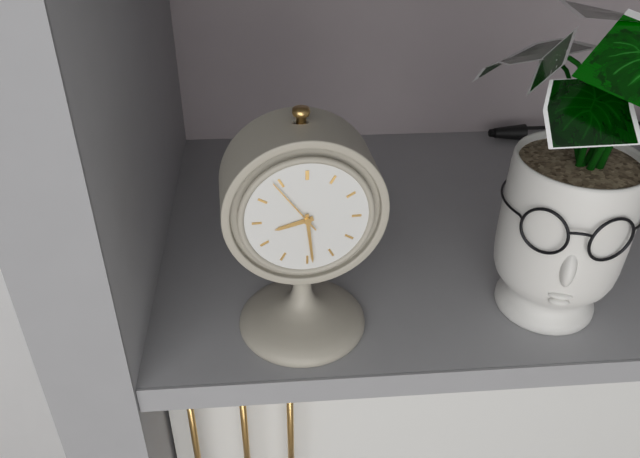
h=8 m=29 s=54
